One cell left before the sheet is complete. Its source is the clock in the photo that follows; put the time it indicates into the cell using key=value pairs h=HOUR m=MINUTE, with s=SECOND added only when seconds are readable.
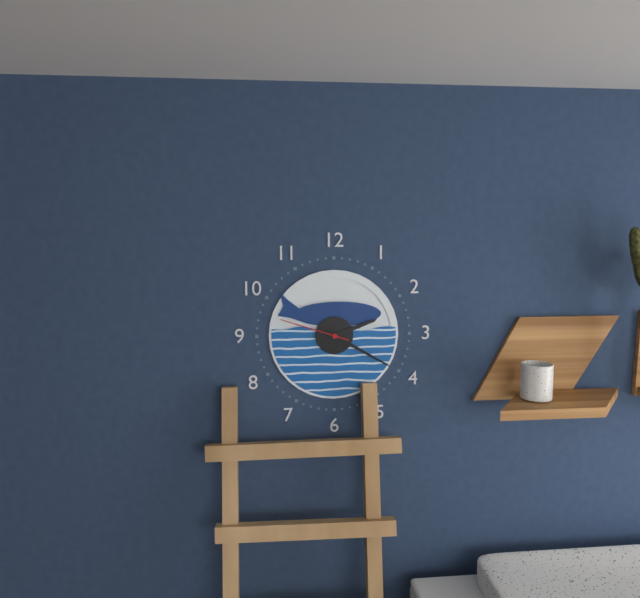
h=2 m=20 s=48
